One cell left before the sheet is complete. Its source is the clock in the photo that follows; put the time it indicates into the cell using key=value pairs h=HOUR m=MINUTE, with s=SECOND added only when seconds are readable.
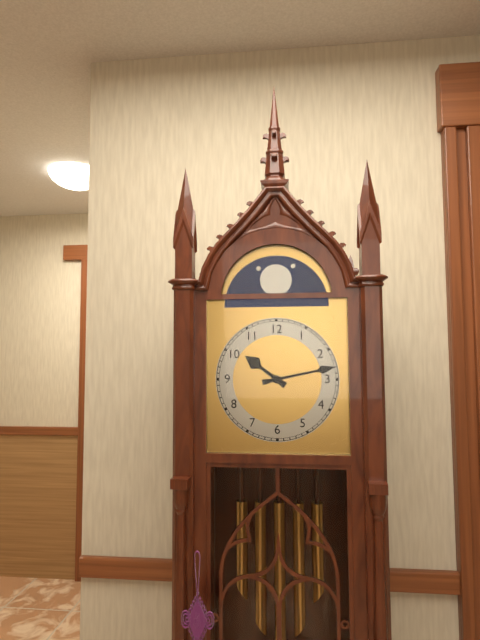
h=10 m=13
